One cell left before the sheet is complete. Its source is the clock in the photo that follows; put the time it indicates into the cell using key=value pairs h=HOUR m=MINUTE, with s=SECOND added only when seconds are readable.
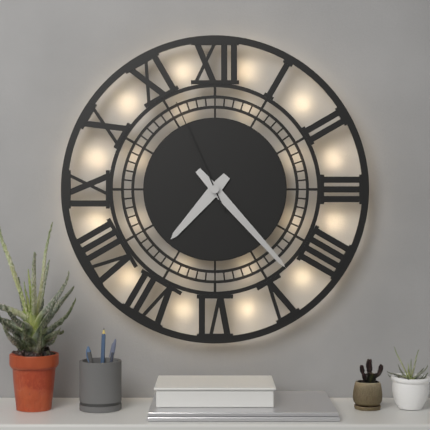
h=7 m=23 s=56
